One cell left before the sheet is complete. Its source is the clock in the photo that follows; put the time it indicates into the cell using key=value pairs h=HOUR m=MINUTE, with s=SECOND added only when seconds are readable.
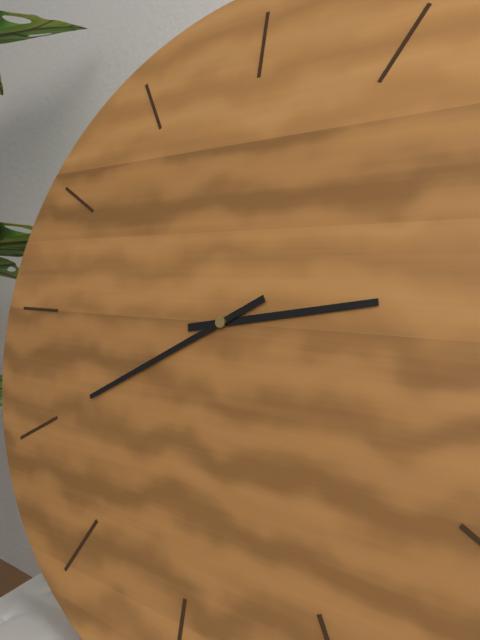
h=2 m=40
